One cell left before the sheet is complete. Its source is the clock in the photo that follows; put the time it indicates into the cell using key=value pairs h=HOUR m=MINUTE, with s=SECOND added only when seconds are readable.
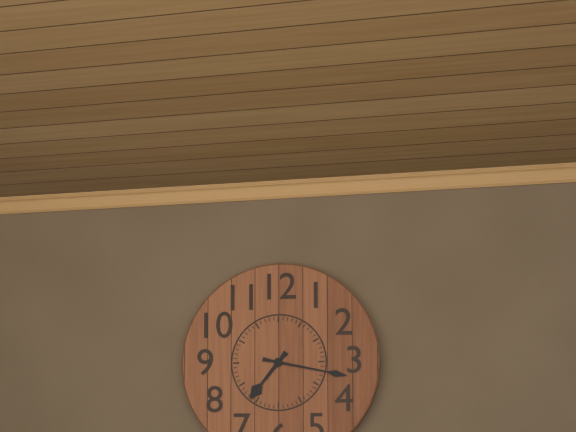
h=7 m=17
